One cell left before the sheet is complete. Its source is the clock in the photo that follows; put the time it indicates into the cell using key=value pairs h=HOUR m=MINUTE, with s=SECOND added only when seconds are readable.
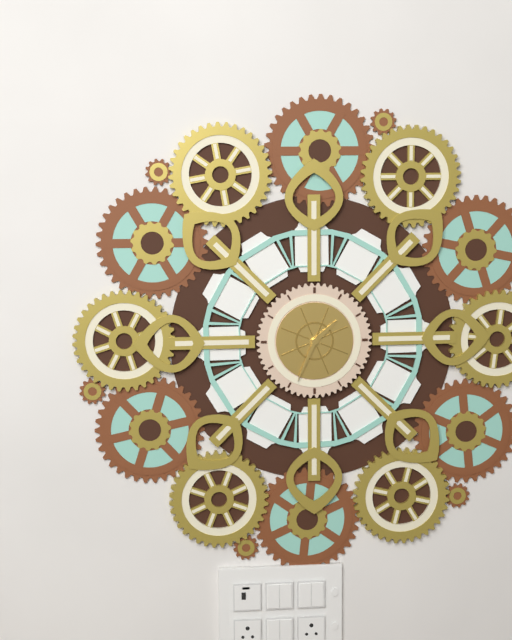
h=1 m=34
